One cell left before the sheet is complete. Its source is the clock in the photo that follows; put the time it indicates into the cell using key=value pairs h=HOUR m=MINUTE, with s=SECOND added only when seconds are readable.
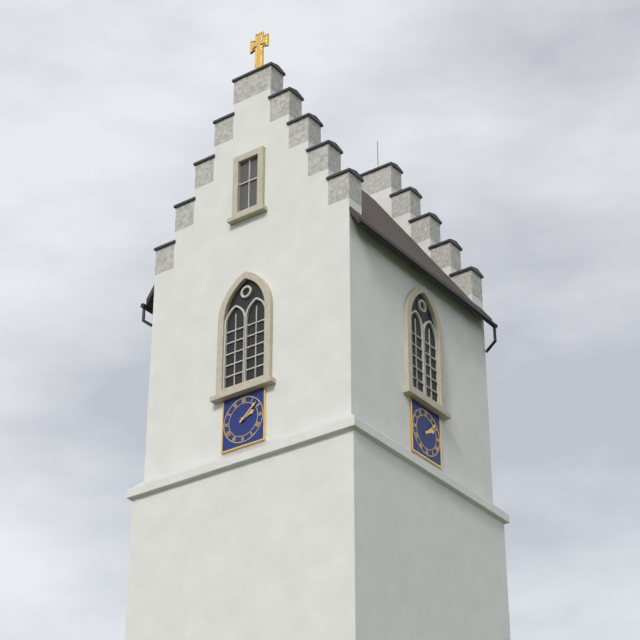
h=2 m=8
